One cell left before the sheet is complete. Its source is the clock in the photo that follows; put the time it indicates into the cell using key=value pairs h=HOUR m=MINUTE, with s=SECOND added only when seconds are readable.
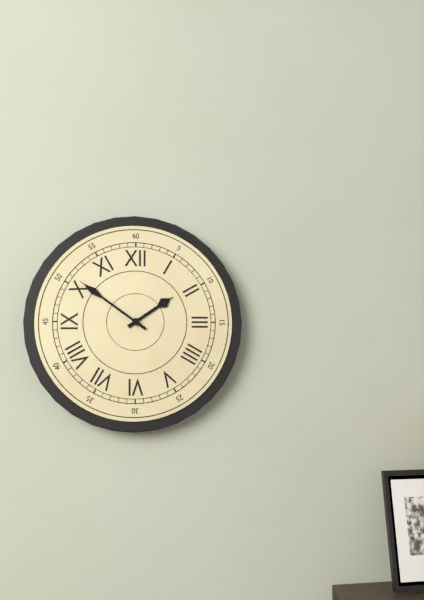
h=1 m=51
